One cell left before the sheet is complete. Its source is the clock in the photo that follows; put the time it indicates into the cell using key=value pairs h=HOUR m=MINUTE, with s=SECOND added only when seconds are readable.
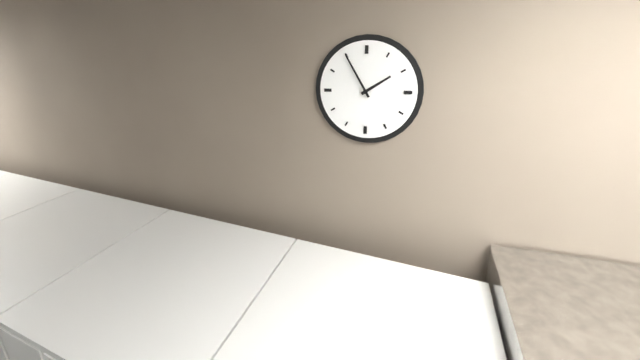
h=1 m=55
